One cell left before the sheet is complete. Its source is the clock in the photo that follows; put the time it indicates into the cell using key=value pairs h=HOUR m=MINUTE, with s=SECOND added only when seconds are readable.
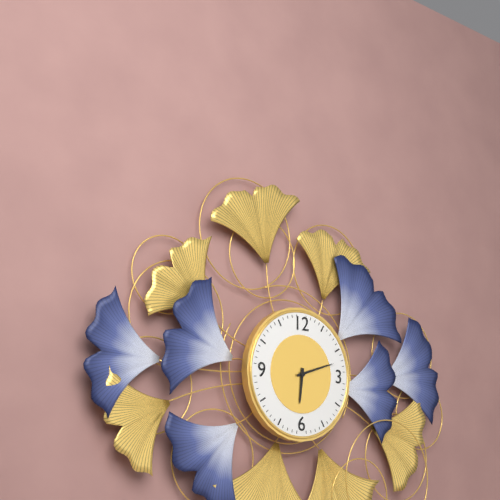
h=6 m=12
